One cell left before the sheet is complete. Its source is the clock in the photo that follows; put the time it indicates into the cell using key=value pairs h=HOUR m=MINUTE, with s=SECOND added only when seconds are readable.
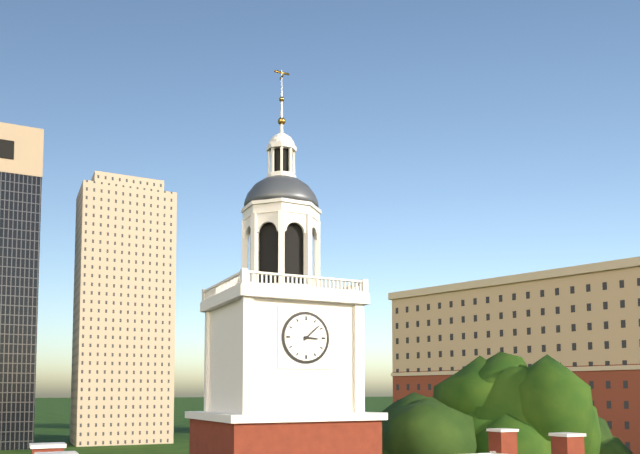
h=3 m=8
